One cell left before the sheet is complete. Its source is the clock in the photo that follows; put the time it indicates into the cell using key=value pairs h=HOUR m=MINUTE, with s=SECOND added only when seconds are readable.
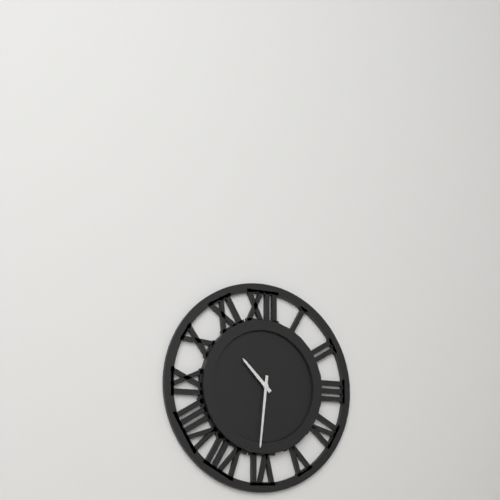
h=10 m=31
